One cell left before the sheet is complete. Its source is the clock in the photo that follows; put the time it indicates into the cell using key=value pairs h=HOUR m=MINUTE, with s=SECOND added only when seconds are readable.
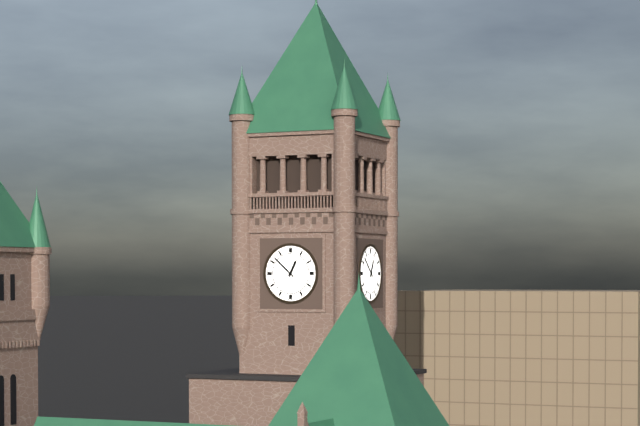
h=12 m=52
